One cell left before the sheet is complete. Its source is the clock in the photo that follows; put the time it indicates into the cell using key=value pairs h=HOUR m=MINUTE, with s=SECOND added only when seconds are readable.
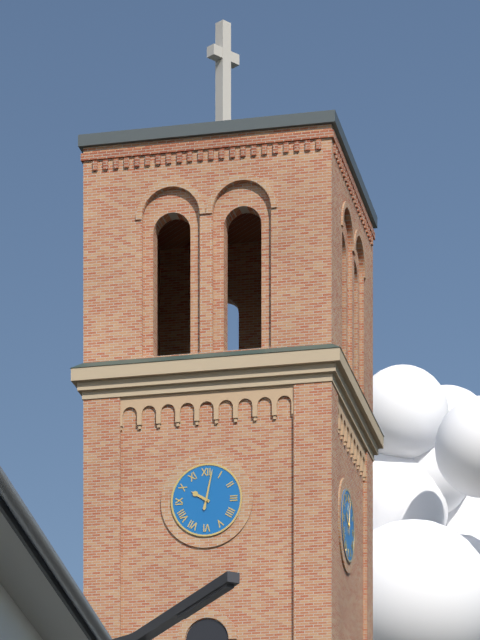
h=10 m=2
